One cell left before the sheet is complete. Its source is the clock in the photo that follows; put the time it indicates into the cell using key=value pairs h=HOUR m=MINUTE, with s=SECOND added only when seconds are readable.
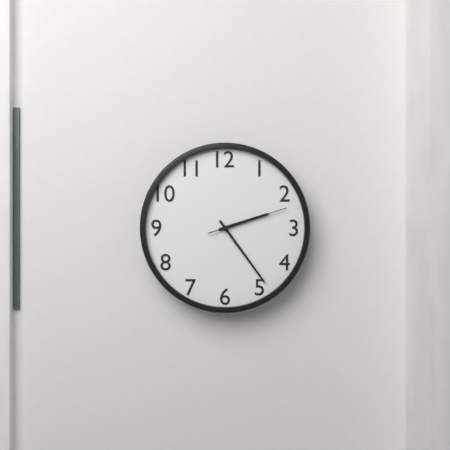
h=2 m=24 s=12
